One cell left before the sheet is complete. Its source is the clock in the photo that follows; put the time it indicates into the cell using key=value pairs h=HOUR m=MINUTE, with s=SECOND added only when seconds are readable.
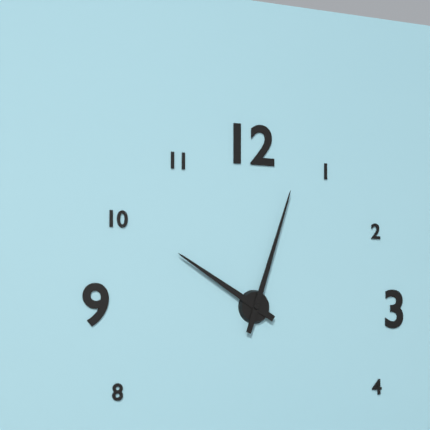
h=10 m=3
